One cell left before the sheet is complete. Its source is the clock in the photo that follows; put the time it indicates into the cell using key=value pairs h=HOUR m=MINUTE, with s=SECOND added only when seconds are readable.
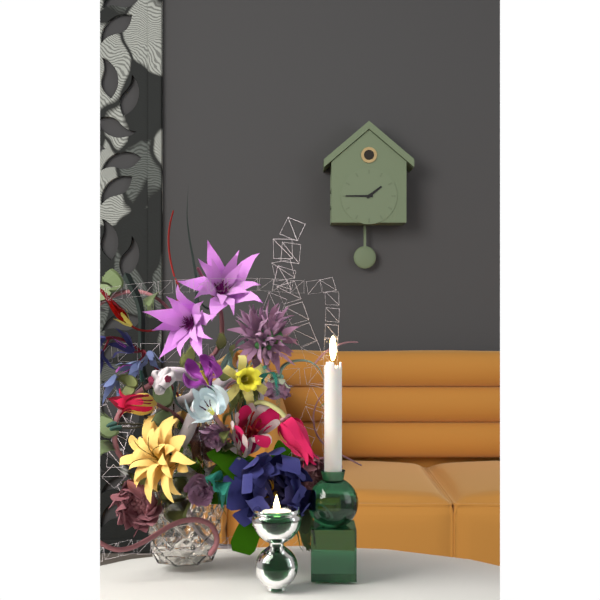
h=1 m=45
